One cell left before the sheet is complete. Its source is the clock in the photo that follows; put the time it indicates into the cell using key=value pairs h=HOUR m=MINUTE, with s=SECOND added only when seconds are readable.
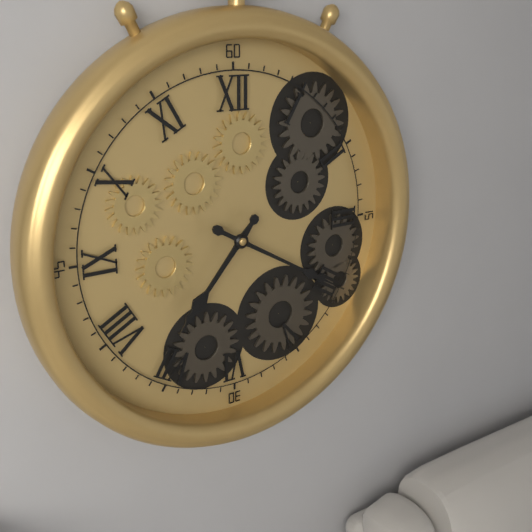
h=7 m=20
